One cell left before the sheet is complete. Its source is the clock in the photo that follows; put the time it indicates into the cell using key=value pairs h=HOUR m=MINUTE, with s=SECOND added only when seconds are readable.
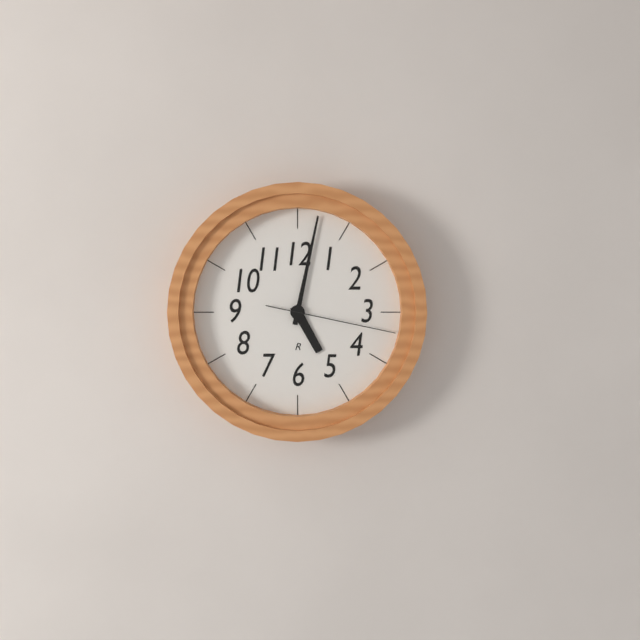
h=5 m=2 s=17
